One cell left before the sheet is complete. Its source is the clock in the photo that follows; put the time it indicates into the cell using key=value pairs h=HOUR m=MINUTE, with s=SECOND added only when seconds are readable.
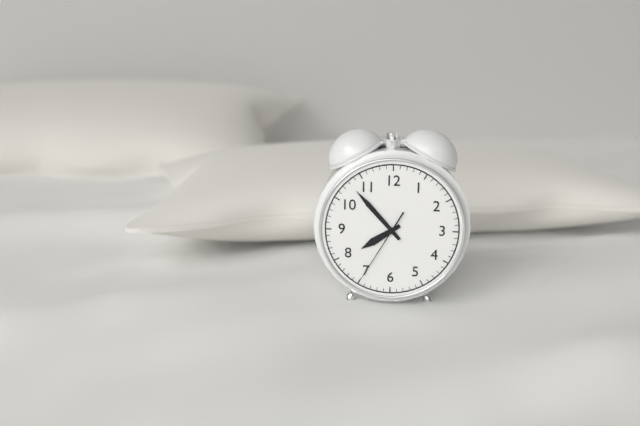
h=7 m=53 s=35
